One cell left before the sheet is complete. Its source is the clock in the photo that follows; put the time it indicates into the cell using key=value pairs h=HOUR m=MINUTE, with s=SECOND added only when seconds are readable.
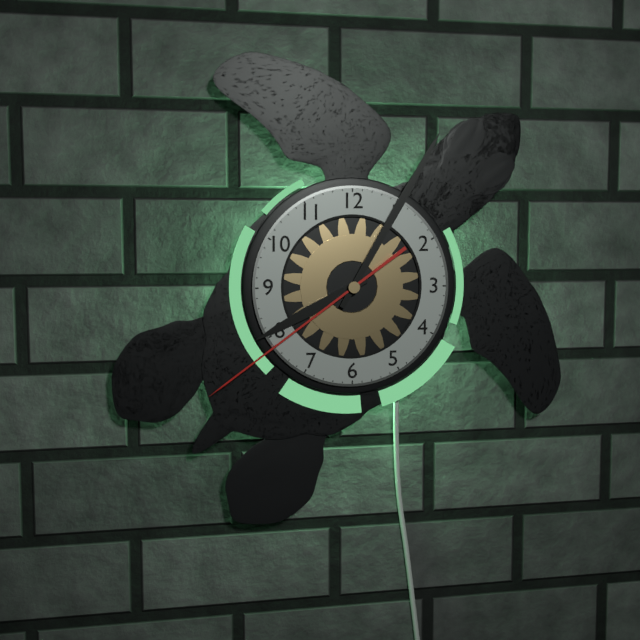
h=8 m=5 s=39
